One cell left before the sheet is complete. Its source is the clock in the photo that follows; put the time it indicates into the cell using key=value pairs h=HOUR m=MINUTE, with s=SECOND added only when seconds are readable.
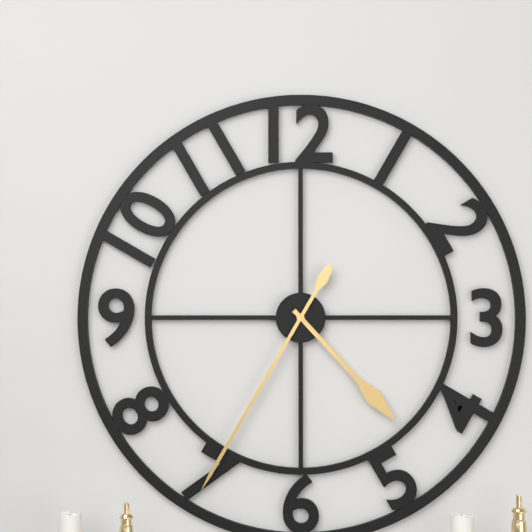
h=4 m=35
